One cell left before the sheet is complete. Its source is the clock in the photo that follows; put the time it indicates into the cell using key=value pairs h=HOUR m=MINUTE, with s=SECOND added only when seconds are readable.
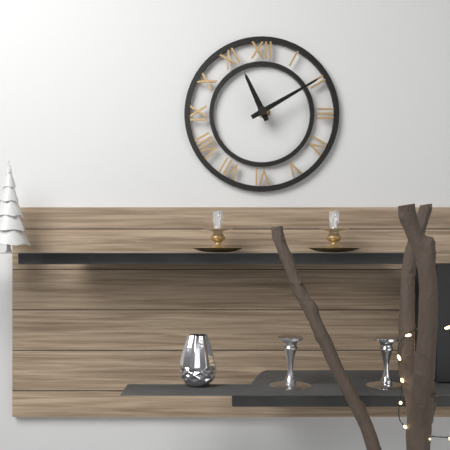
h=11 m=10
